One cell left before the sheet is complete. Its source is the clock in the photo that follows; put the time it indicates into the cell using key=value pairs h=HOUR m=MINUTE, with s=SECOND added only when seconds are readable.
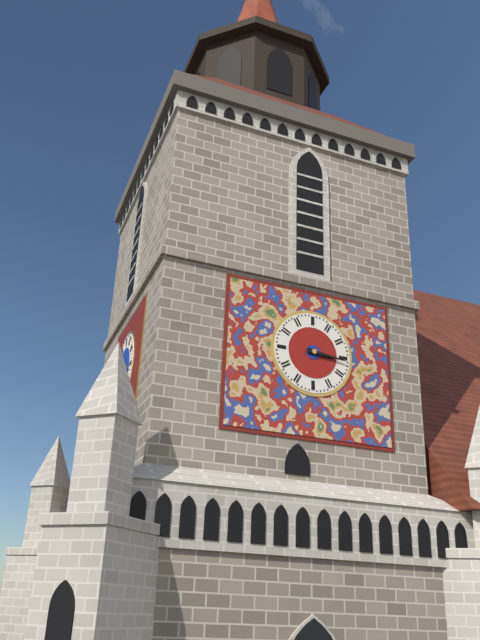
h=3 m=16
